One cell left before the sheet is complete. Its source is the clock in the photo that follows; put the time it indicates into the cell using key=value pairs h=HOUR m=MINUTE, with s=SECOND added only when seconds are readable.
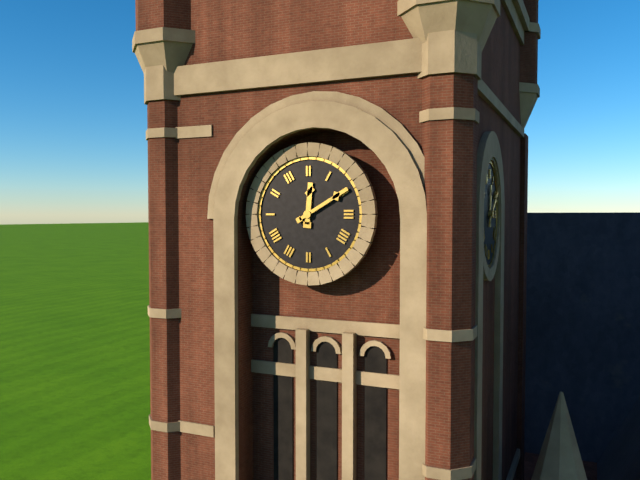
h=12 m=10
